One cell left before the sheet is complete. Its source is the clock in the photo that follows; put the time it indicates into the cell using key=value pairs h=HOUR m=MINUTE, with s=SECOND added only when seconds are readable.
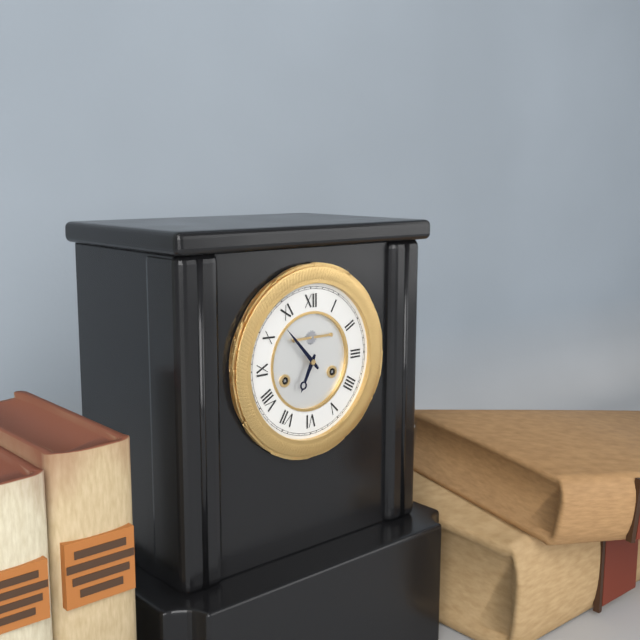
h=6 m=53
